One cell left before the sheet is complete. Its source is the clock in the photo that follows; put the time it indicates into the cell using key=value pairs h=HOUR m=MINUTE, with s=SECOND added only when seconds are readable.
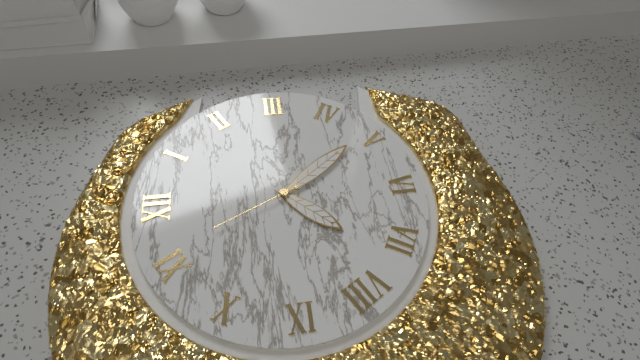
h=7 m=24 s=56
